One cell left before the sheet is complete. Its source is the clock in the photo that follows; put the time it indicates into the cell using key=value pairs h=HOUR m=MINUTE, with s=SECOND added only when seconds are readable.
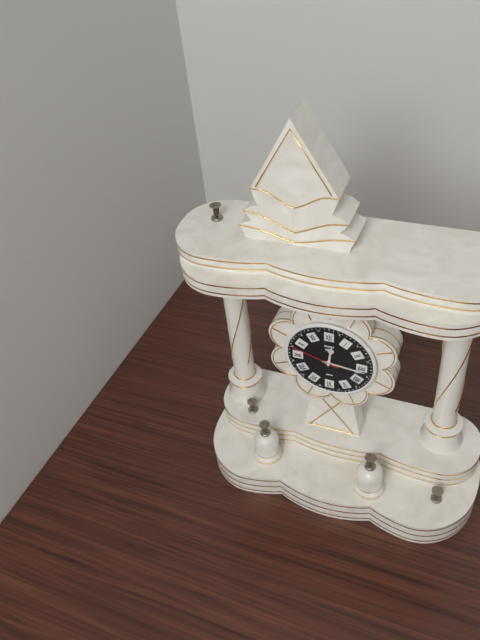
h=12 m=16 s=48
